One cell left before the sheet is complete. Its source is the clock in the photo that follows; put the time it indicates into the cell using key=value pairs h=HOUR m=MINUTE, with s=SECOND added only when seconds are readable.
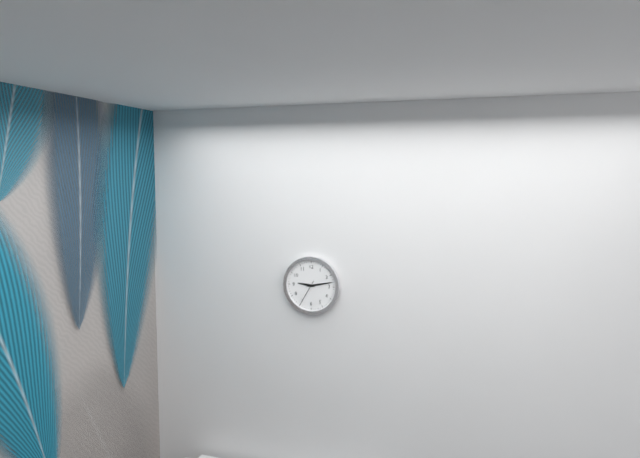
h=9 m=13
